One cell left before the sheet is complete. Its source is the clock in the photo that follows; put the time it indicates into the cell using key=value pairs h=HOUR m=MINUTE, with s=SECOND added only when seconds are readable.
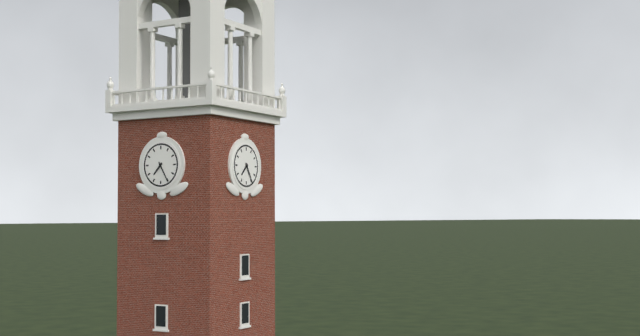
h=7 m=25
